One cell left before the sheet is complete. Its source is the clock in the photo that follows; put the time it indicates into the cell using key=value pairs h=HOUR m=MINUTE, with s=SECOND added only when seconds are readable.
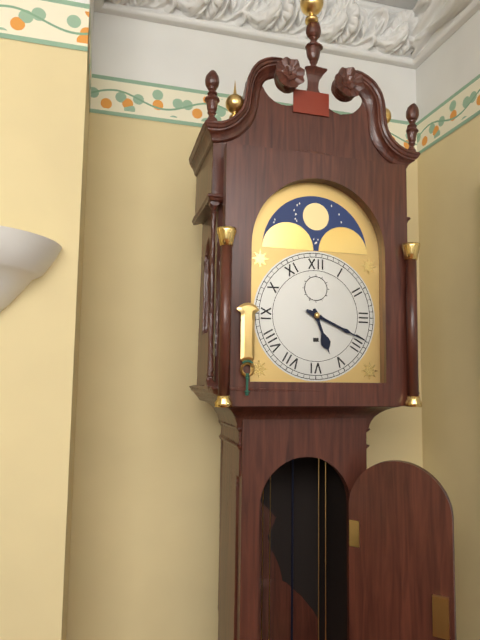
h=5 m=19
